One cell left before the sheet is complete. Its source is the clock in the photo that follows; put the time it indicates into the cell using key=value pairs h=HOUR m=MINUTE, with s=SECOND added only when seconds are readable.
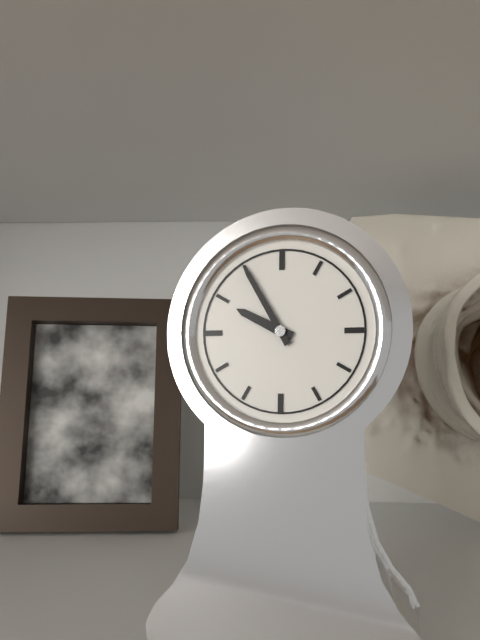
h=9 m=55
